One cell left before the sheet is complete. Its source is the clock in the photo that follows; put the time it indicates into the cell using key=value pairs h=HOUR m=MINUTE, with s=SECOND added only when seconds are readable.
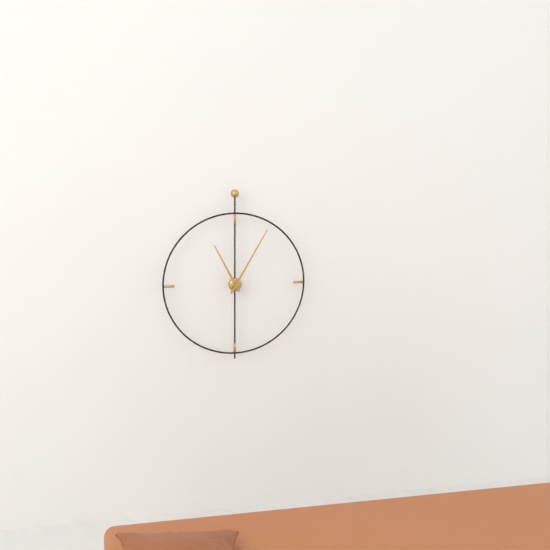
h=11 m=5
